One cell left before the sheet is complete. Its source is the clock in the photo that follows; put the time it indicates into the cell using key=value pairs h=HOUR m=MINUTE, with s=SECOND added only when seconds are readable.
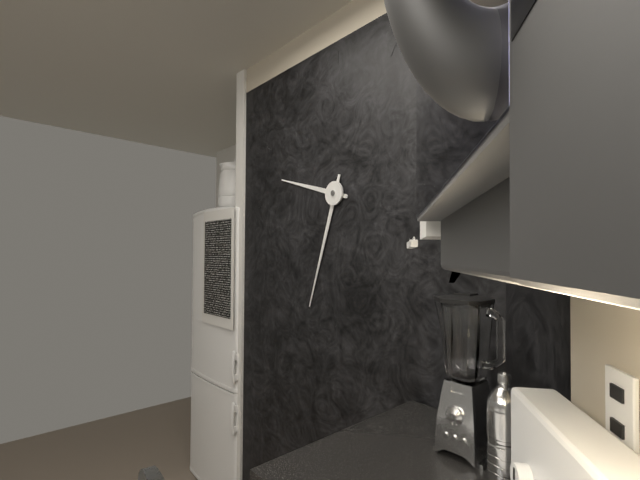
h=9 m=33
